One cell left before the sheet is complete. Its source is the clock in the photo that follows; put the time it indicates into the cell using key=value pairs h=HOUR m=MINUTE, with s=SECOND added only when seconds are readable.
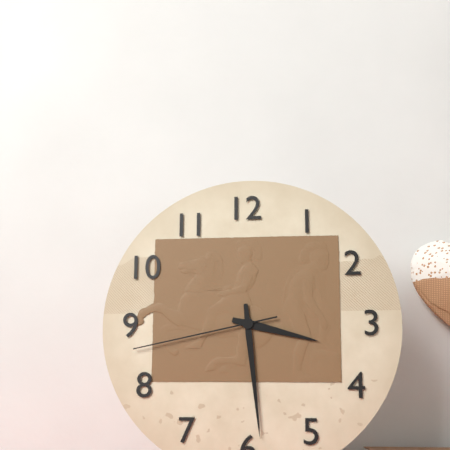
h=3 m=29 s=43
